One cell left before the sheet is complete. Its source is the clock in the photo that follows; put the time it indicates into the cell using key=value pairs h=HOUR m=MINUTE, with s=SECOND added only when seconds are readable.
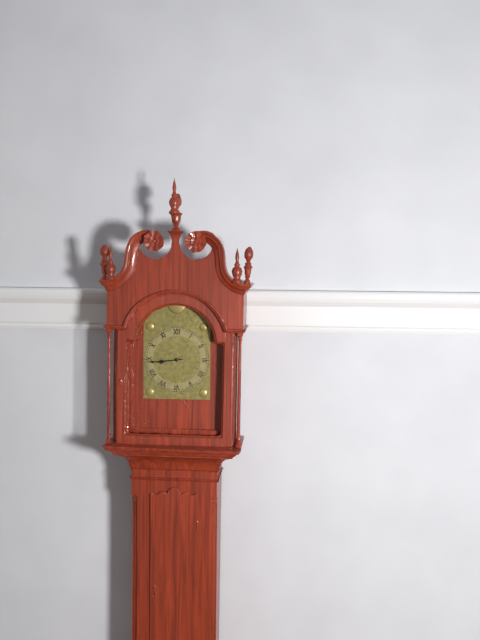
h=8 m=44
